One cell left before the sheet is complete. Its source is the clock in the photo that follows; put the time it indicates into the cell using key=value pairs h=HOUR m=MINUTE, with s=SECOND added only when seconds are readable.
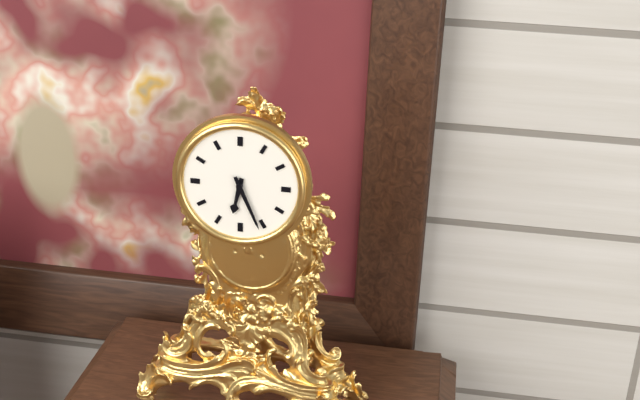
h=6 m=26
